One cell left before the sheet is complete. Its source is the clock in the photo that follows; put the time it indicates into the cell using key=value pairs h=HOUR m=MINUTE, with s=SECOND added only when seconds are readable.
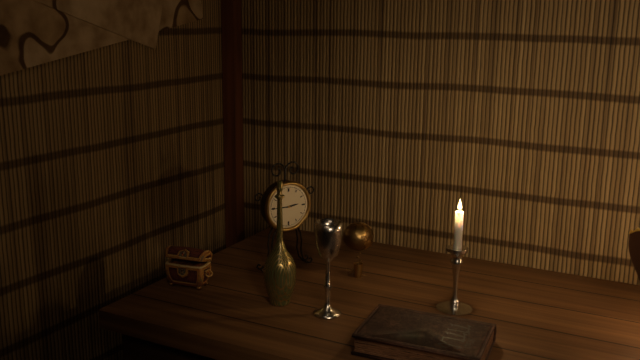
h=2 m=45
